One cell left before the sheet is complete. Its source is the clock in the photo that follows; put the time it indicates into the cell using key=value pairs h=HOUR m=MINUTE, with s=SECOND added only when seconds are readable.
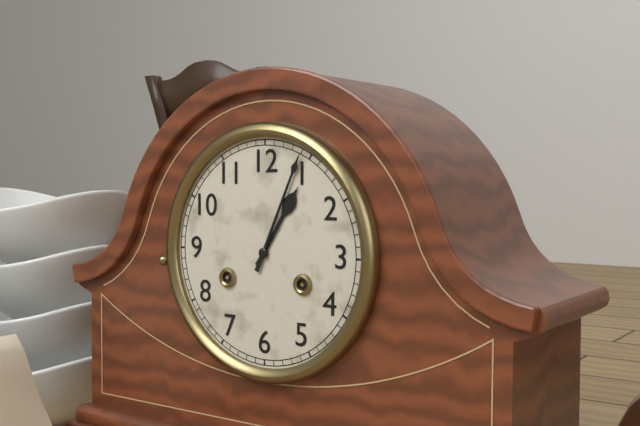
h=1 m=4
